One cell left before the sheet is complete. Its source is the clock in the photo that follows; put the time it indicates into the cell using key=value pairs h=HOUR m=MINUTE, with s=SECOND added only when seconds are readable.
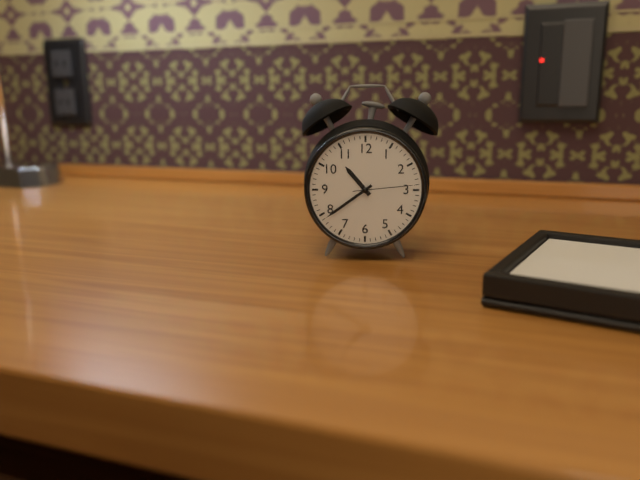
h=10 m=39 s=14
